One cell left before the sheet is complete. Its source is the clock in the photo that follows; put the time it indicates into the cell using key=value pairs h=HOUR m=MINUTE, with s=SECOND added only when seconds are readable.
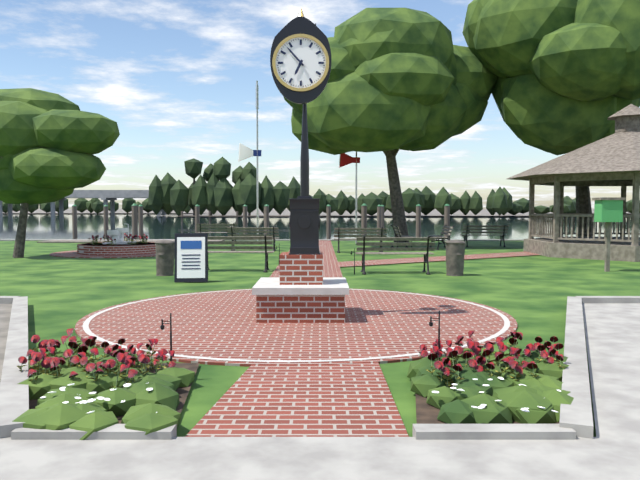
h=6 m=53
